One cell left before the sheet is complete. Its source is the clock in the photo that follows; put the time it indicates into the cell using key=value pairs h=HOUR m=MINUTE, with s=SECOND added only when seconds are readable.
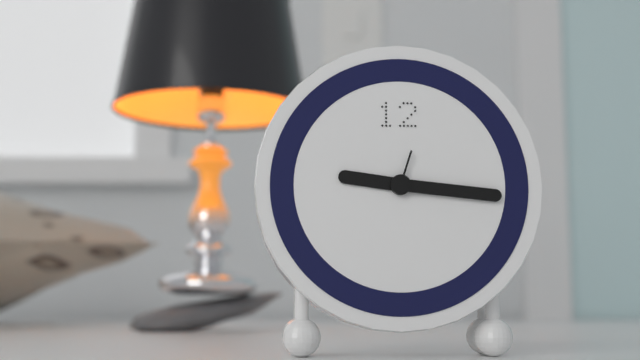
h=9 m=16 s=3
